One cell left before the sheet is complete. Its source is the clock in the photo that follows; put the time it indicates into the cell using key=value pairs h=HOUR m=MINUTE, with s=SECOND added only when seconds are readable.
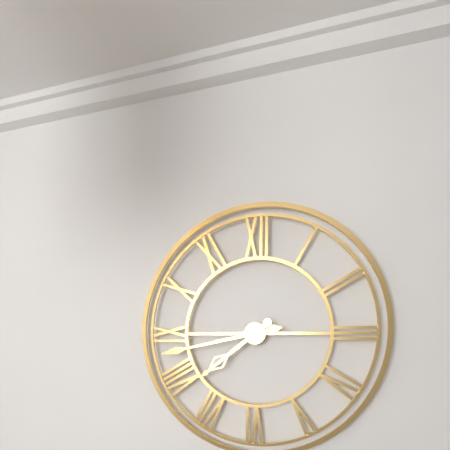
h=7 m=43
